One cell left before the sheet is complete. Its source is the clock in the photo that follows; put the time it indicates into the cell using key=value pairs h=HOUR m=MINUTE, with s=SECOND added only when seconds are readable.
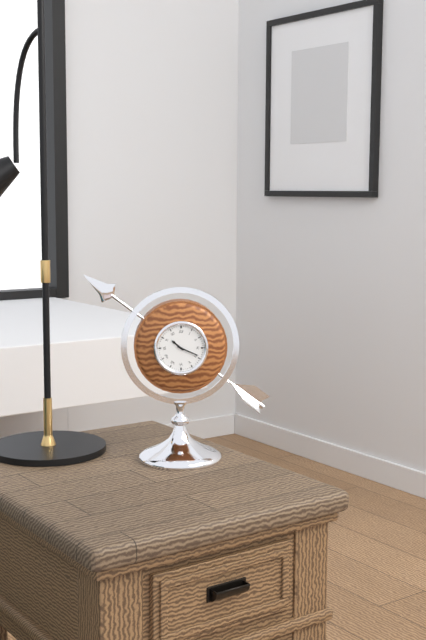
h=10 m=19
